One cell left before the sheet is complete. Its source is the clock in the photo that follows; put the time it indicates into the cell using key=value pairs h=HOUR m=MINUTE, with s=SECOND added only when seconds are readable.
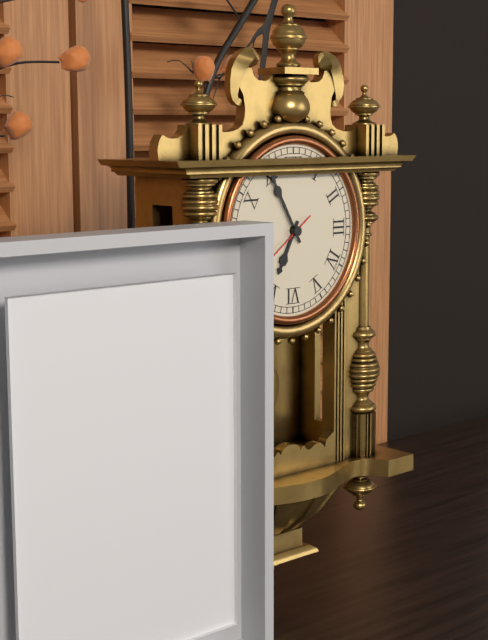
h=6 m=55
